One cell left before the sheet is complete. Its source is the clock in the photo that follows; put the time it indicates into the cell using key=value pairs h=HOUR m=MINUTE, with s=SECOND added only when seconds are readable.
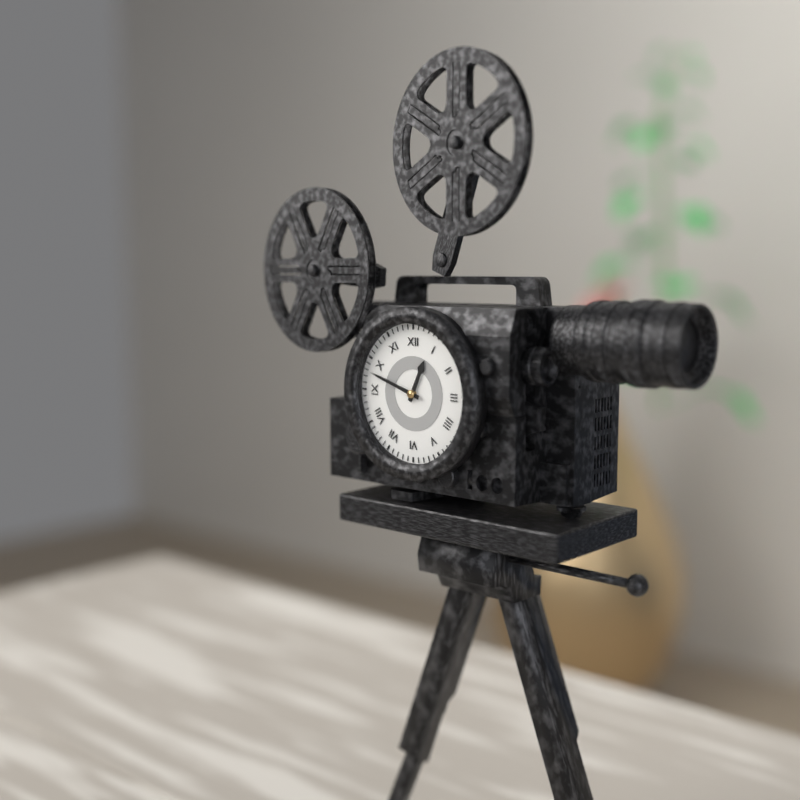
h=12 m=48
